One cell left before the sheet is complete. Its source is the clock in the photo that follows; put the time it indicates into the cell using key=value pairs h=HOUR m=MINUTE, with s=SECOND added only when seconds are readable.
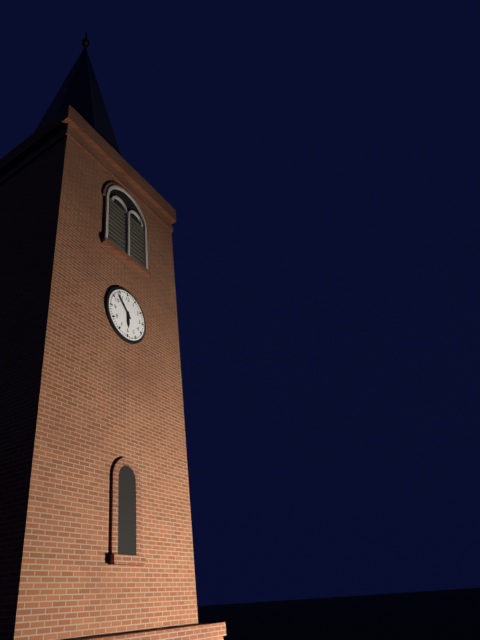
h=5 m=53
